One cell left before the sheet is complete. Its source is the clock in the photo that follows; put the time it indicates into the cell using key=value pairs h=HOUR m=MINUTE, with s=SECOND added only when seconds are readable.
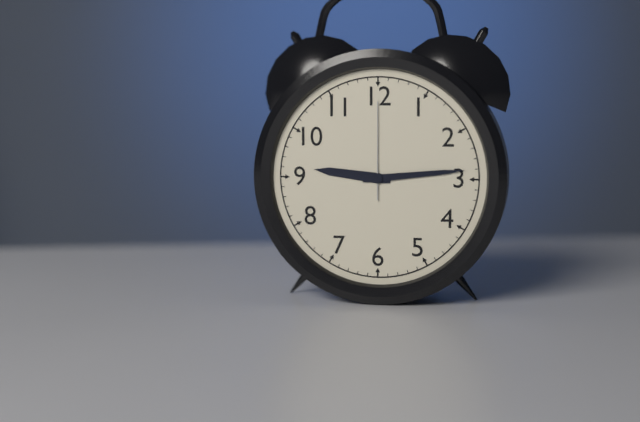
h=9 m=14 s=0
